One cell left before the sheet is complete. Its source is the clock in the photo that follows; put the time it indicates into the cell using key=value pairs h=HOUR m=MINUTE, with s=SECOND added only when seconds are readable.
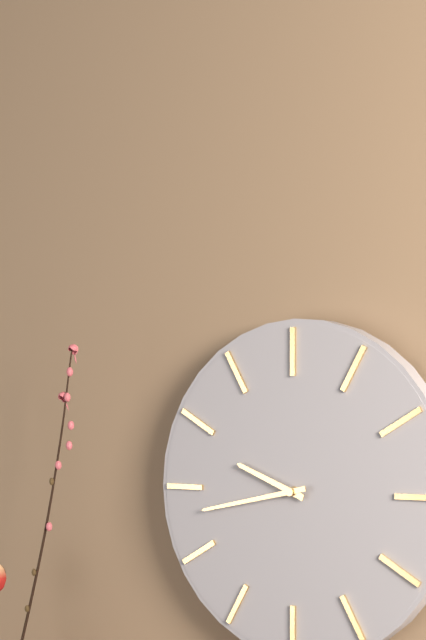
h=9 m=43
